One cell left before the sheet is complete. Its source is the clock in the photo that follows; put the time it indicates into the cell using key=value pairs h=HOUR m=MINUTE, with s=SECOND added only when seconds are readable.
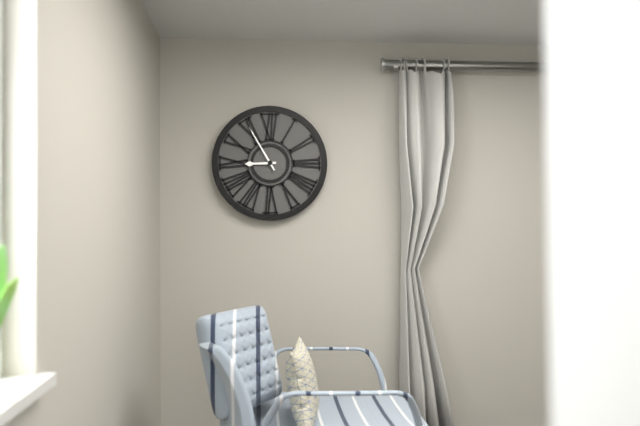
h=8 m=55
